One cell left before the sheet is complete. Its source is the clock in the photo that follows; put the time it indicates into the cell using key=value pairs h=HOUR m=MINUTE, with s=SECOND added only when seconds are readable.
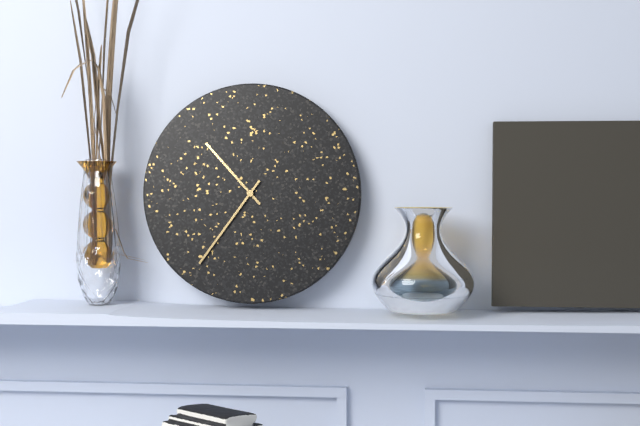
h=10 m=36
